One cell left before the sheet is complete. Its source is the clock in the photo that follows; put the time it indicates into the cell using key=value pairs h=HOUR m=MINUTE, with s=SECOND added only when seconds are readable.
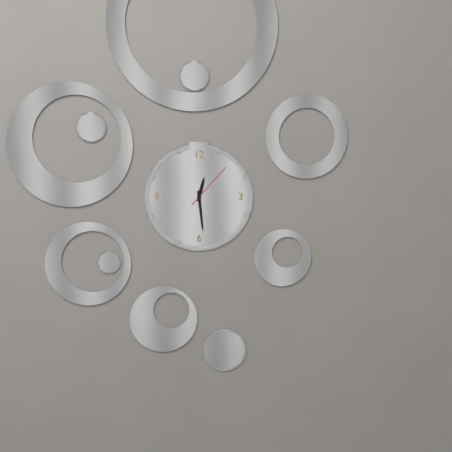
h=12 m=29 s=7
